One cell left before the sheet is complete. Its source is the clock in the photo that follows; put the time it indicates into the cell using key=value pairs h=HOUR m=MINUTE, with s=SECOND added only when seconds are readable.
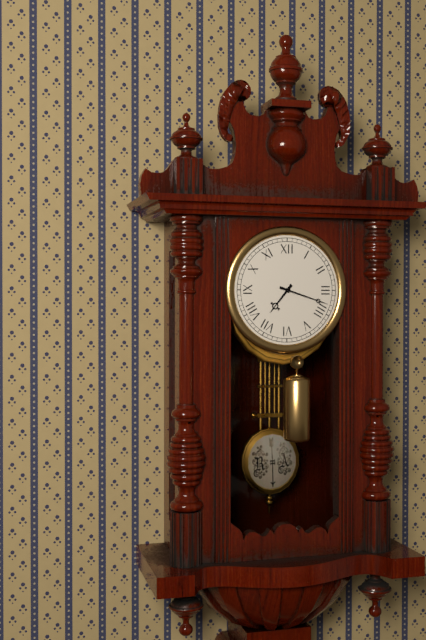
h=7 m=18
